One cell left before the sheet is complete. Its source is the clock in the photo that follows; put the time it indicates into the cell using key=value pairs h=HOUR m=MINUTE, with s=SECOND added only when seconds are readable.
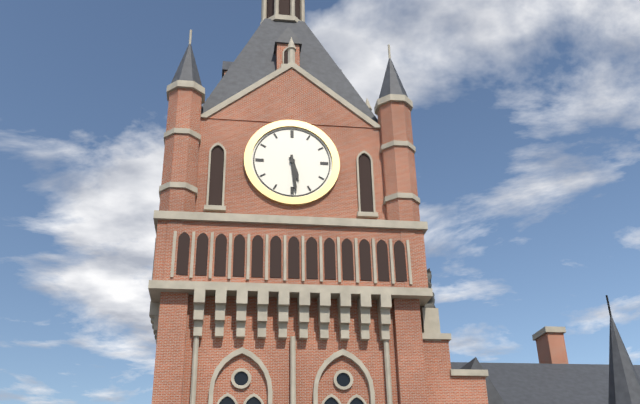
h=5 m=29
